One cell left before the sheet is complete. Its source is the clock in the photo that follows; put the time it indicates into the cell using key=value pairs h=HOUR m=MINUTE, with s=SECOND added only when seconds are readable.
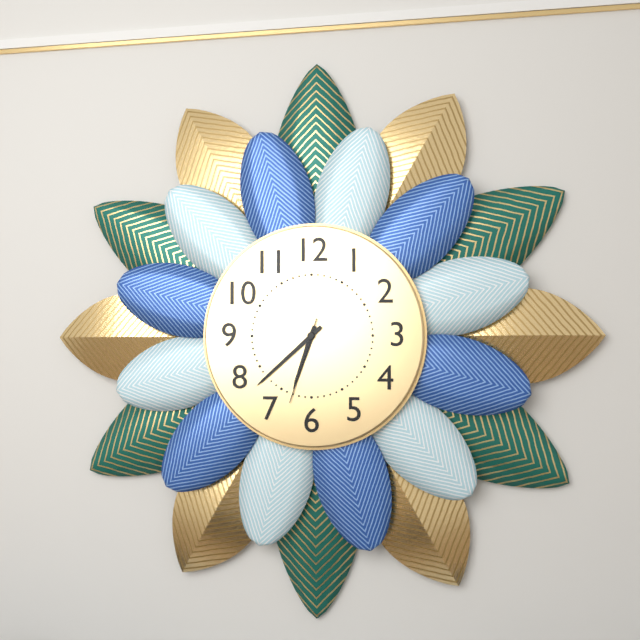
h=6 m=38 s=33
